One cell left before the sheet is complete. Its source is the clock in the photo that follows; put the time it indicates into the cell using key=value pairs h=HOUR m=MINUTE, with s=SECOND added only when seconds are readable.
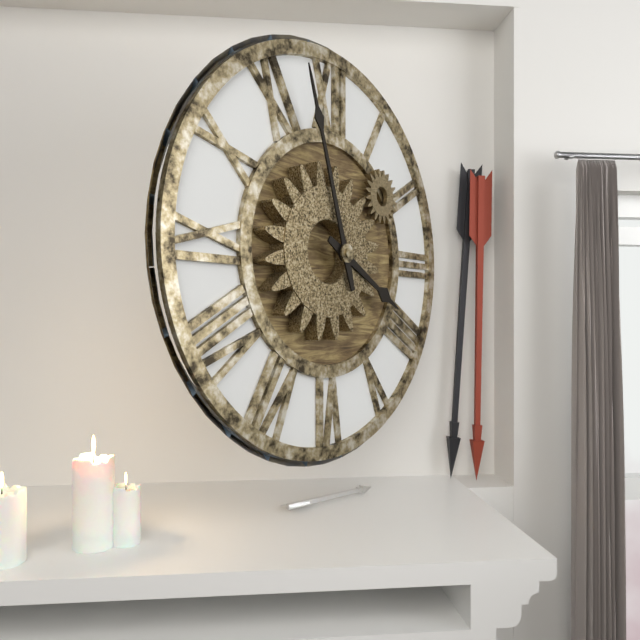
h=3 m=57
